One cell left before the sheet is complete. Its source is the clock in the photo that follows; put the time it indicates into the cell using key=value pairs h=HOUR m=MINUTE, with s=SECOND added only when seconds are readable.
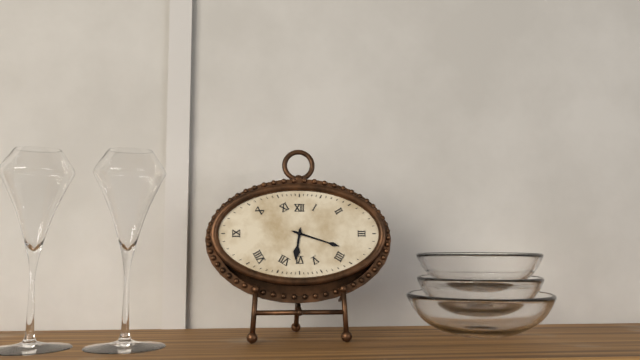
h=6 m=18
